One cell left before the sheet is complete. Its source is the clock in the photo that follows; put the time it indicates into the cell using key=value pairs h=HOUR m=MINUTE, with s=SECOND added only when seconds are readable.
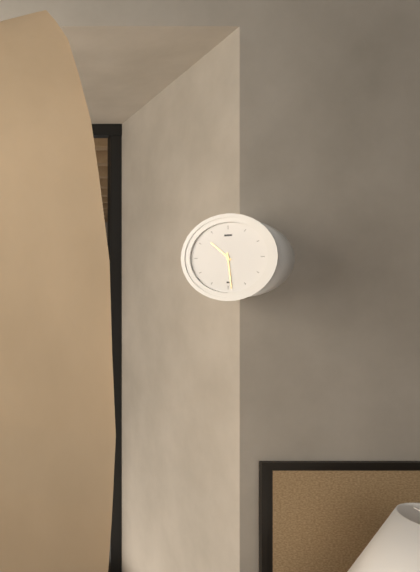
h=10 m=29
